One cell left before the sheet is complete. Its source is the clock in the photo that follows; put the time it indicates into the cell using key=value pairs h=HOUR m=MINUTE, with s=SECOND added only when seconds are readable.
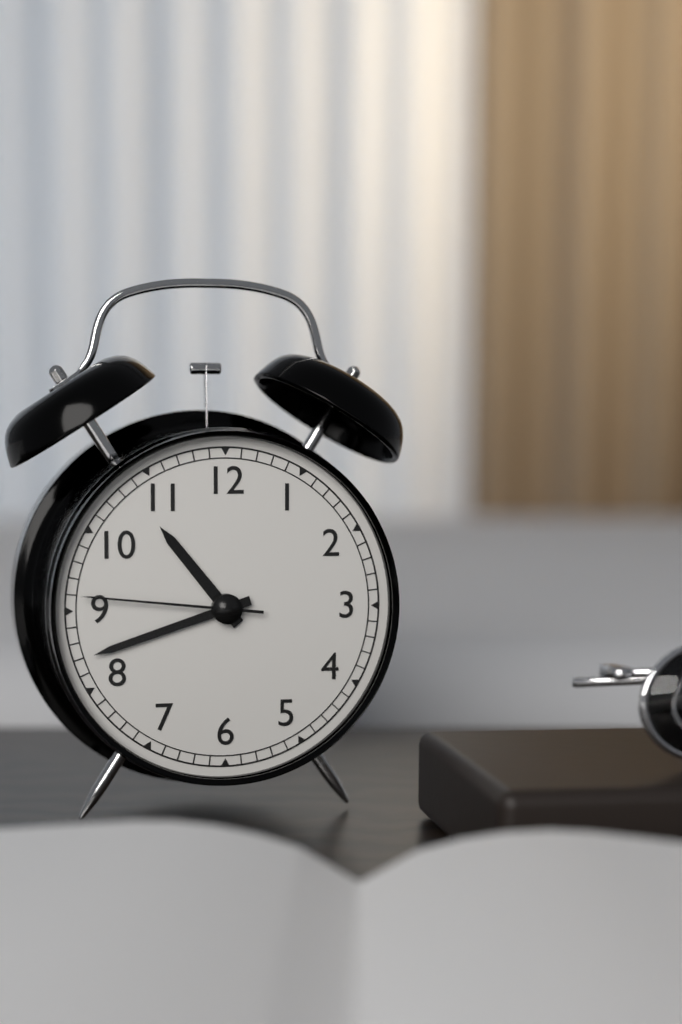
h=10 m=42 s=46
